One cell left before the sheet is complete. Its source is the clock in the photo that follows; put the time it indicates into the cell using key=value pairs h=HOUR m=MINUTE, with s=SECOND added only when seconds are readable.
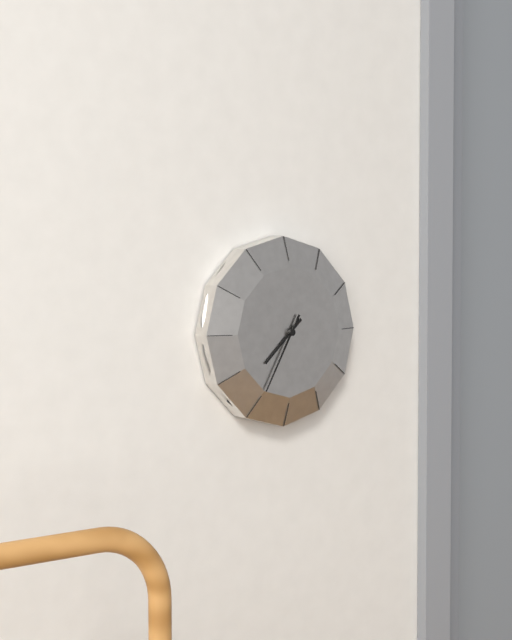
h=7 m=35
